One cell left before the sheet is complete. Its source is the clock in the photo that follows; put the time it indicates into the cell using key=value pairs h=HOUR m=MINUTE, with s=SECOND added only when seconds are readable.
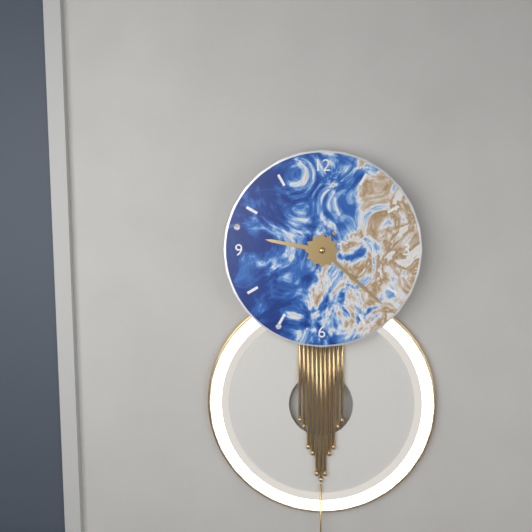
h=9 m=22
